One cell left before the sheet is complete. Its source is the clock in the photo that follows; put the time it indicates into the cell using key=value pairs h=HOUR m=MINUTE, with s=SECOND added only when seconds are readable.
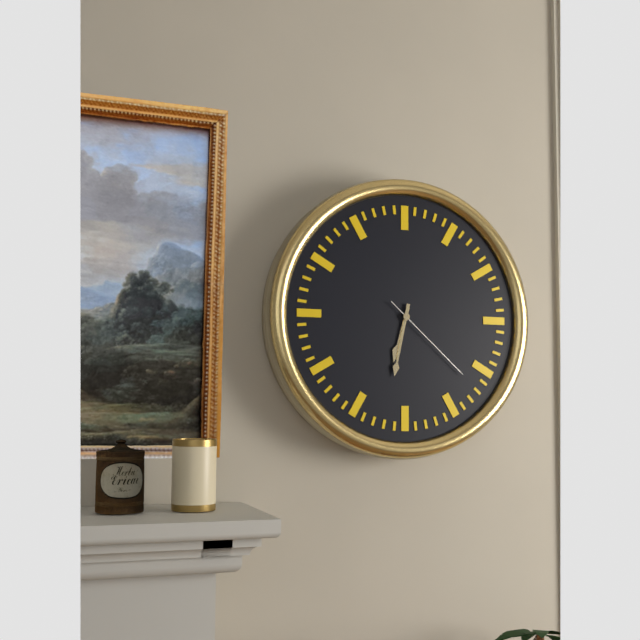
h=6 m=32 s=22
